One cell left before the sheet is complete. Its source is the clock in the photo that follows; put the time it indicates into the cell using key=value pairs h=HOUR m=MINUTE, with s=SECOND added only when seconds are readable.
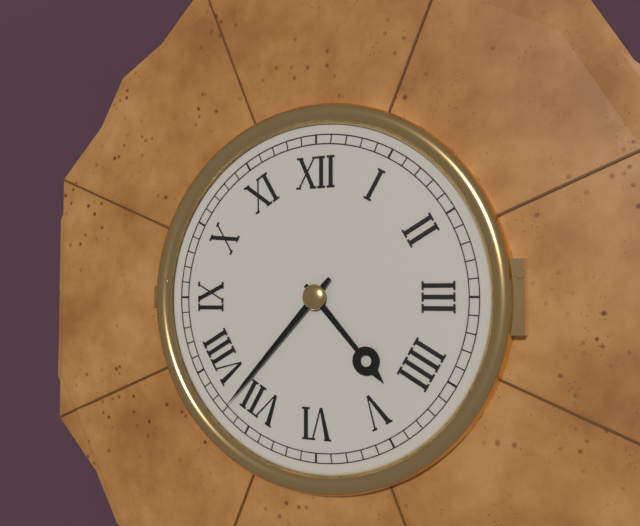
h=4 m=37
